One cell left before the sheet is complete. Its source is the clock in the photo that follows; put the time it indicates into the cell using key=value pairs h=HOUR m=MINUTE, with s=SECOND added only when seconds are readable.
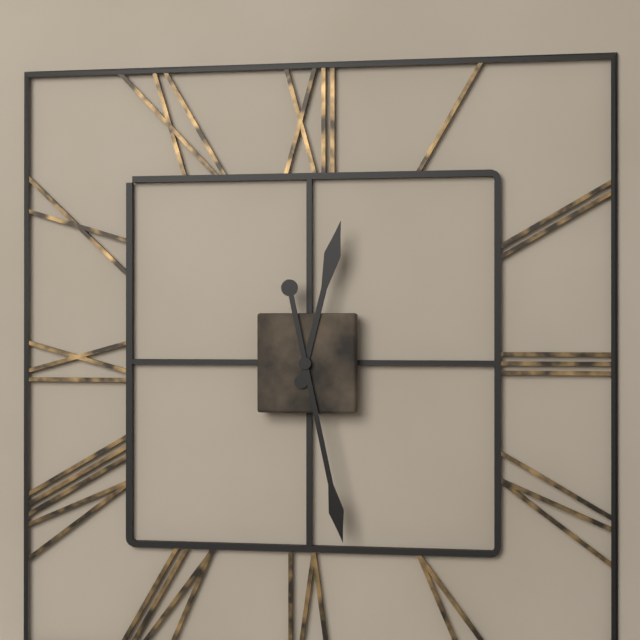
h=12 m=28
